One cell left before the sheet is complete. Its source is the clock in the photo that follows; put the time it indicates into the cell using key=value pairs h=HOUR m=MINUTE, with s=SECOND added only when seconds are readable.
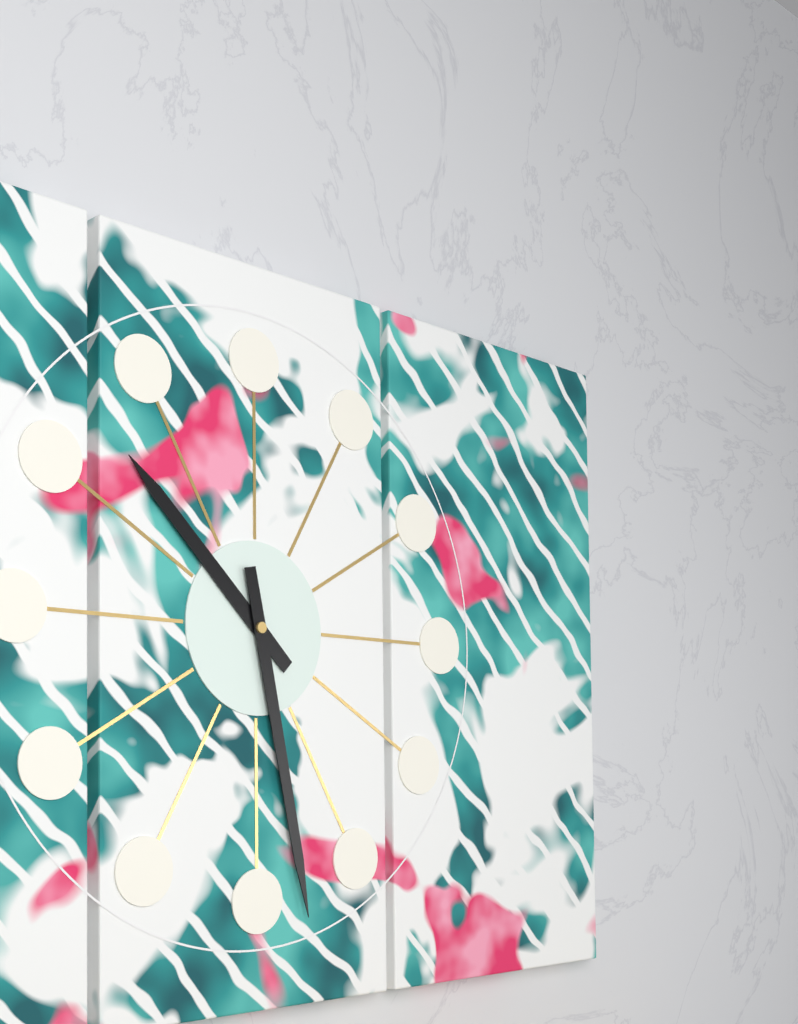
h=10 m=28
